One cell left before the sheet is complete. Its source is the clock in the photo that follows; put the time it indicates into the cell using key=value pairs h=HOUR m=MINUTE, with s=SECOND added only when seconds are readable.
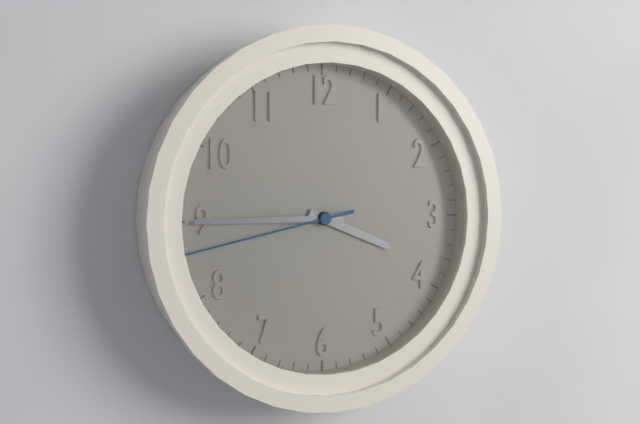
h=3 m=45 s=43
